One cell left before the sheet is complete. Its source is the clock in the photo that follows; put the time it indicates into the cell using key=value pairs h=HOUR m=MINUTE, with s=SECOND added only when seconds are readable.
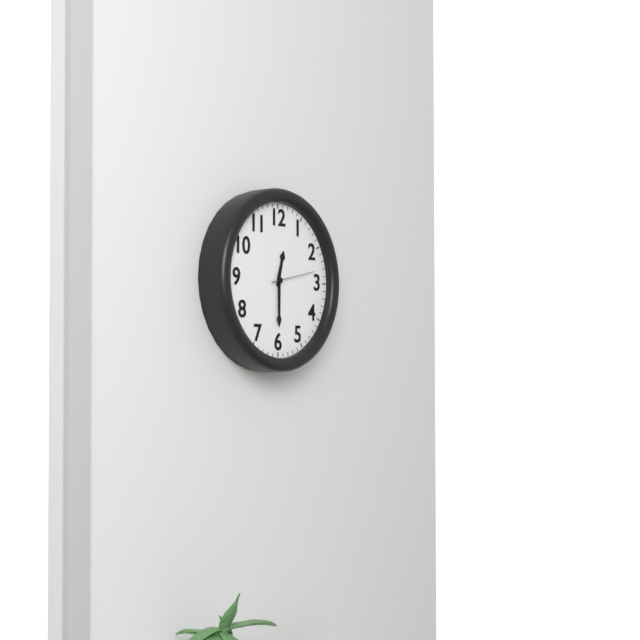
h=12 m=30
